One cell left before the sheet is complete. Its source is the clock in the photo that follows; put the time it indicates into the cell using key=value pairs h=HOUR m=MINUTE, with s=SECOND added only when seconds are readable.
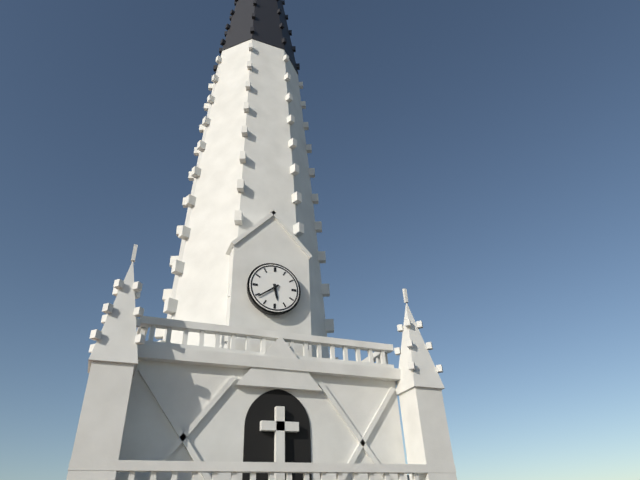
h=5 m=39
